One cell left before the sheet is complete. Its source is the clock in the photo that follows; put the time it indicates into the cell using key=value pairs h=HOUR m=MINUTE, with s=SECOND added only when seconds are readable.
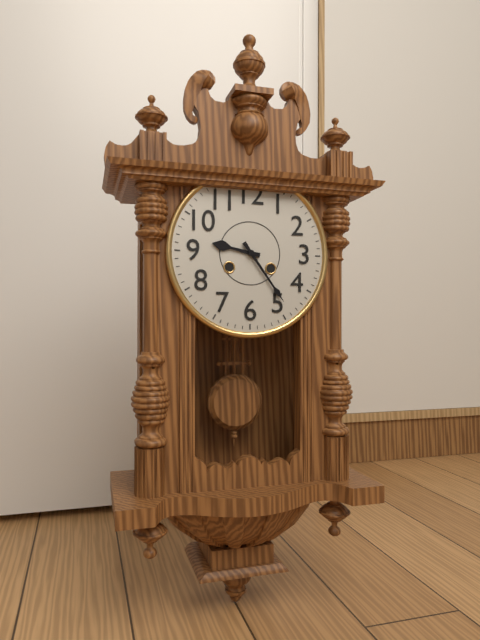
h=9 m=24
